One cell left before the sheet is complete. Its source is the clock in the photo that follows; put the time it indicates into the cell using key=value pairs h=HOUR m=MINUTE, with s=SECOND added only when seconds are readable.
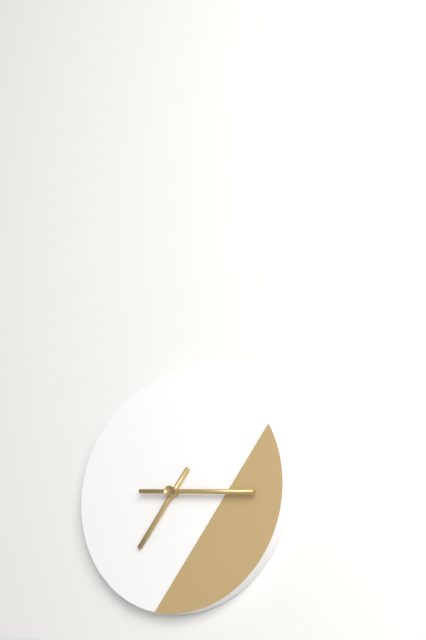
h=7 m=16
